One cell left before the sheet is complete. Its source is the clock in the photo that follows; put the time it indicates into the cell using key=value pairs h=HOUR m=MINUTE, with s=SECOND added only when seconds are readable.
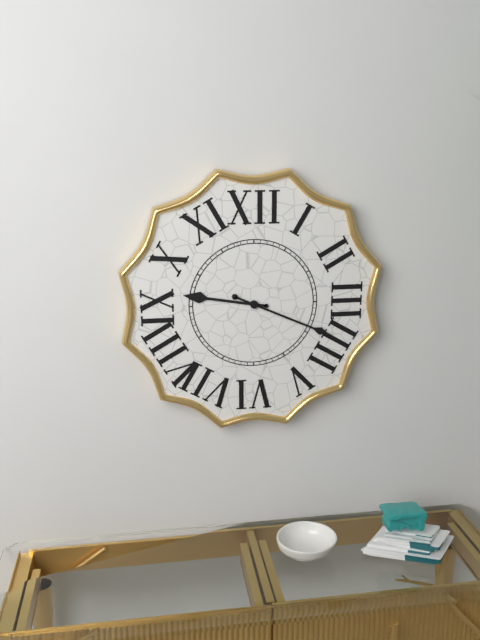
h=9 m=19
